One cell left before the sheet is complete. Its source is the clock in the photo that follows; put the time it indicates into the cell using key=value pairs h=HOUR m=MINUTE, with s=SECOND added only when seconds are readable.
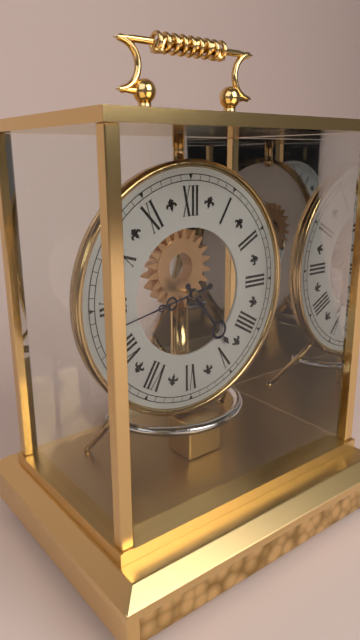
h=4 m=43
